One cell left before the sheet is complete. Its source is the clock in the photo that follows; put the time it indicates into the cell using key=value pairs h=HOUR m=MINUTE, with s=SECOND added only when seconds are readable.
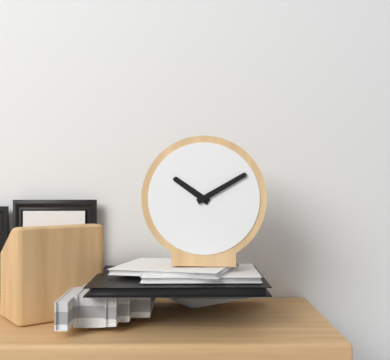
h=10 m=10
